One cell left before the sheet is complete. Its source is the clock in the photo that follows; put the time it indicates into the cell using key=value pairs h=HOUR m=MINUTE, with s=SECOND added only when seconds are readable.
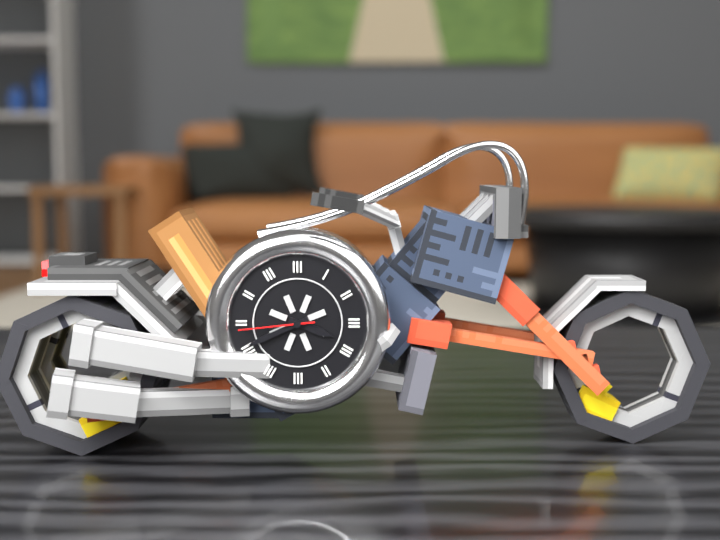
h=3 m=41 s=44
